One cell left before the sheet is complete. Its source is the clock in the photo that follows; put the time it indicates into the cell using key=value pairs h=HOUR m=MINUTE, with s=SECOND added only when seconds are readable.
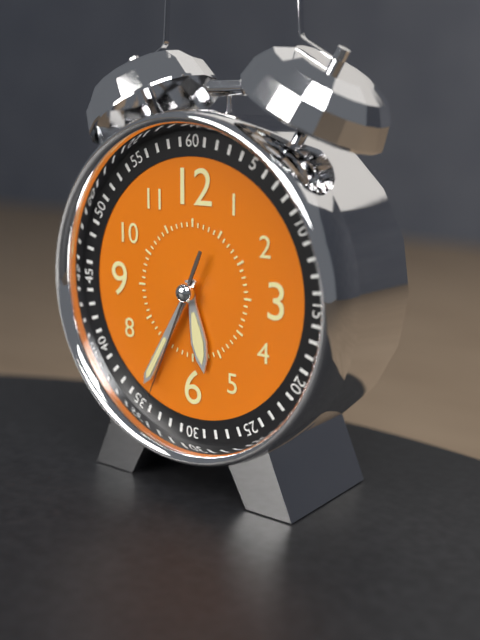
h=5 m=35 s=34
